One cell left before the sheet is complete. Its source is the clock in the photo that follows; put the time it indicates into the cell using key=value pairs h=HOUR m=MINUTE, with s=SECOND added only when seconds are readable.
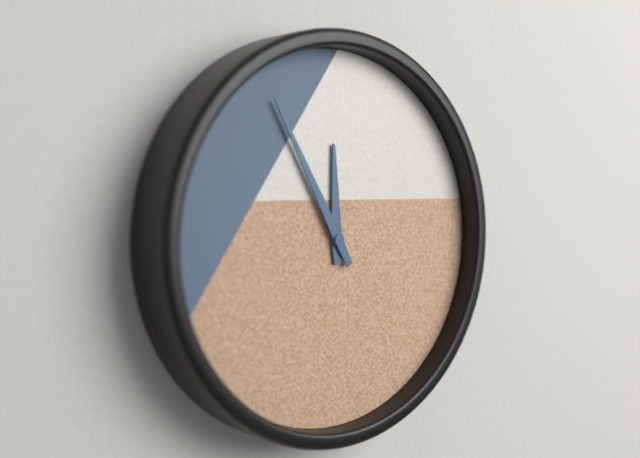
h=11 m=55
